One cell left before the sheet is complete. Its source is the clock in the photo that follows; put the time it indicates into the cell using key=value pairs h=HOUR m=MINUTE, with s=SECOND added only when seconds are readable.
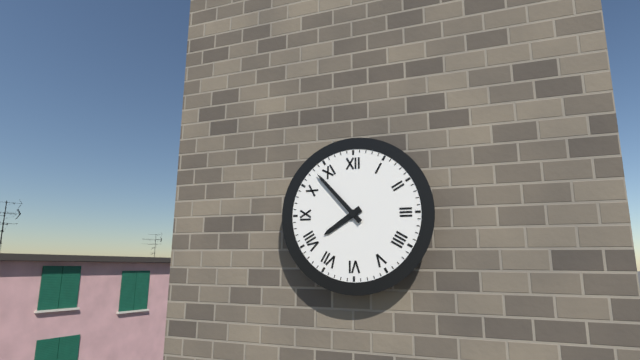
h=7 m=53
